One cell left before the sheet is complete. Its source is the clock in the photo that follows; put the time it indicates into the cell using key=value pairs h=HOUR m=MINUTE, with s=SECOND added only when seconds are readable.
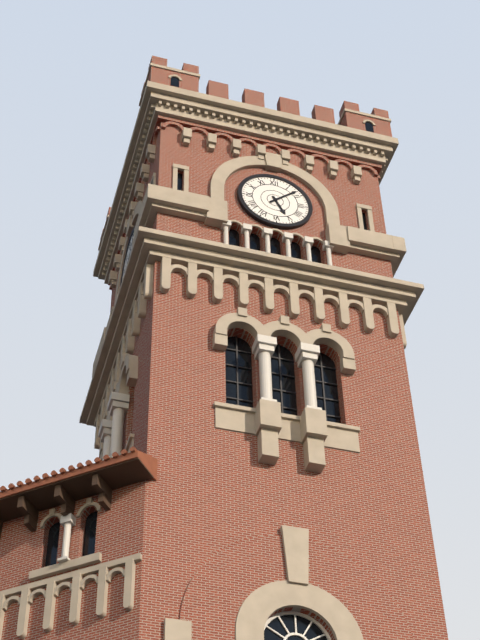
h=5 m=8
